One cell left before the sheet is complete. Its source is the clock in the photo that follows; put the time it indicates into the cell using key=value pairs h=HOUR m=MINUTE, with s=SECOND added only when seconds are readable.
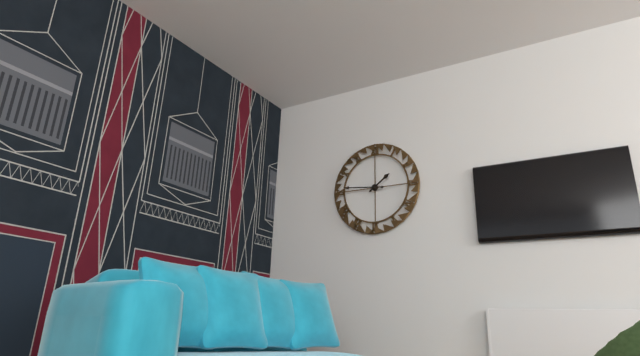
h=1 m=46
